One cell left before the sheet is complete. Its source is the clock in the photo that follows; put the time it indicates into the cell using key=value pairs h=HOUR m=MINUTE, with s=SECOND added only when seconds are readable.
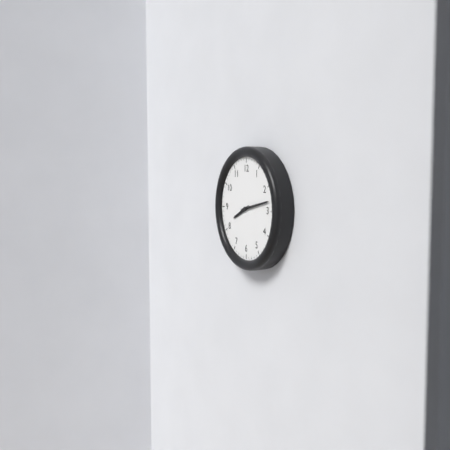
h=8 m=13
